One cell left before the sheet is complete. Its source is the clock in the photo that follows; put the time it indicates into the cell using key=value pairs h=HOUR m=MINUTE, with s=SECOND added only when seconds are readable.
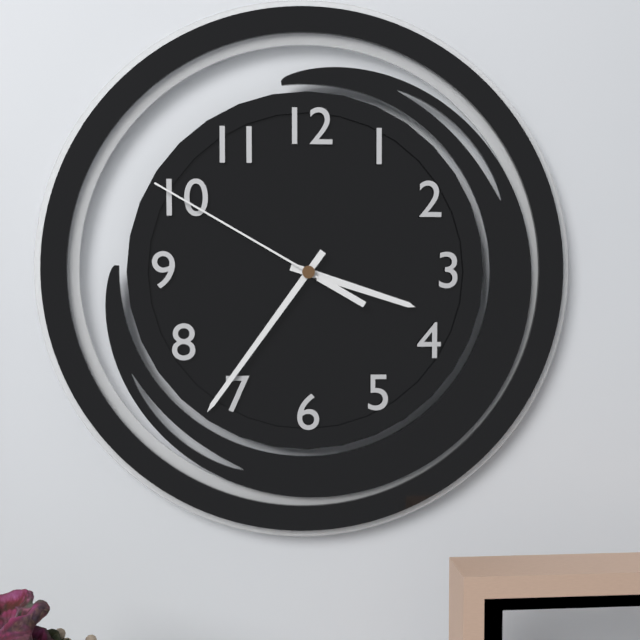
h=3 m=36 s=50
